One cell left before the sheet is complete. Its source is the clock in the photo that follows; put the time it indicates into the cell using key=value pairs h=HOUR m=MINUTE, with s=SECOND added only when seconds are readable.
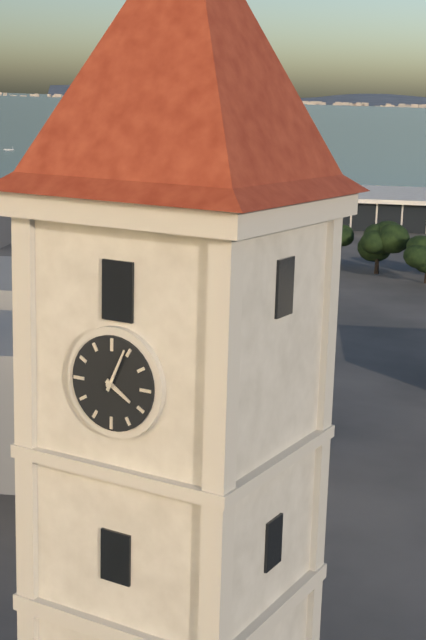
h=4 m=4
